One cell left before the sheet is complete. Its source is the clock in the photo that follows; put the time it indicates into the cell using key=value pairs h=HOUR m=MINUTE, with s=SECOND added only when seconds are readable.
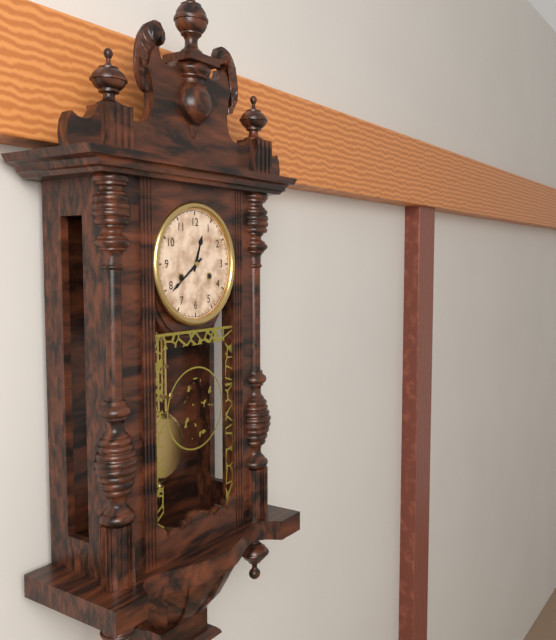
h=12 m=39
